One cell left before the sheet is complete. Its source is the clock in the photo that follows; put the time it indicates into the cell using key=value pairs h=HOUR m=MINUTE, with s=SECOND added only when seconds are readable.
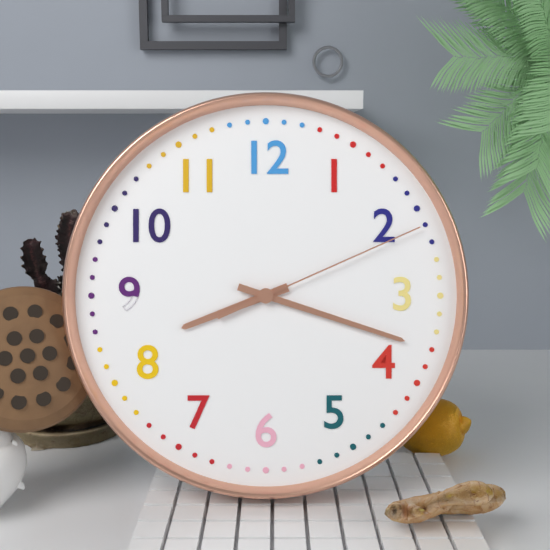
h=8 m=18 s=11
